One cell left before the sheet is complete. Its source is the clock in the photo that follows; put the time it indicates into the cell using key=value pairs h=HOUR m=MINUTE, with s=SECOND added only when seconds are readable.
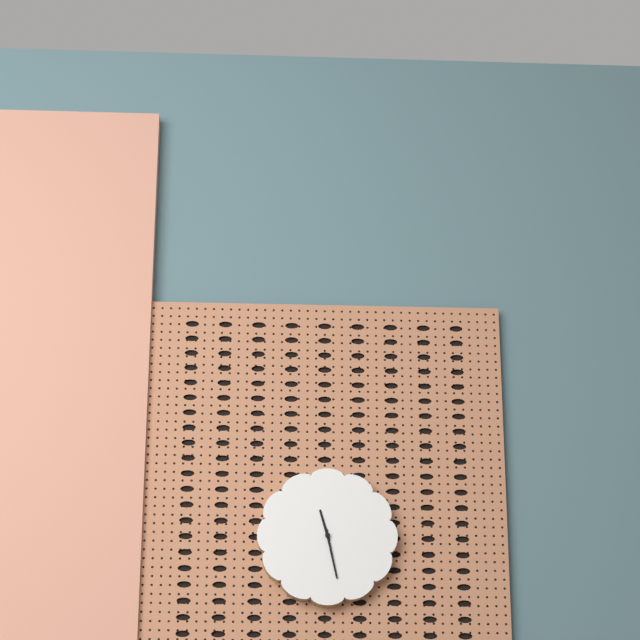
h=11 m=28
